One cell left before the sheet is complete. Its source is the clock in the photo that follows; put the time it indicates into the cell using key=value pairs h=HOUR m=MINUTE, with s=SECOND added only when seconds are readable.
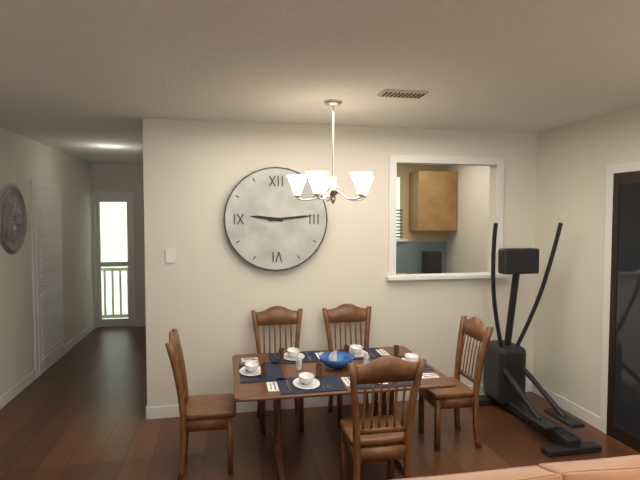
h=9 m=14
